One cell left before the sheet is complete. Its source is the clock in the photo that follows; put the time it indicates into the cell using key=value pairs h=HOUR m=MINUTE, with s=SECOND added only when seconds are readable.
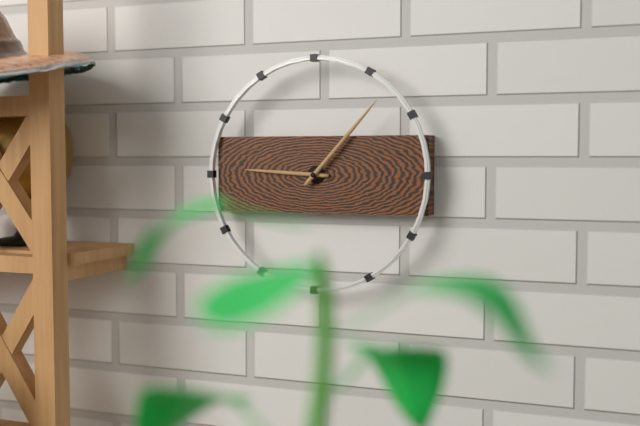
h=9 m=7
